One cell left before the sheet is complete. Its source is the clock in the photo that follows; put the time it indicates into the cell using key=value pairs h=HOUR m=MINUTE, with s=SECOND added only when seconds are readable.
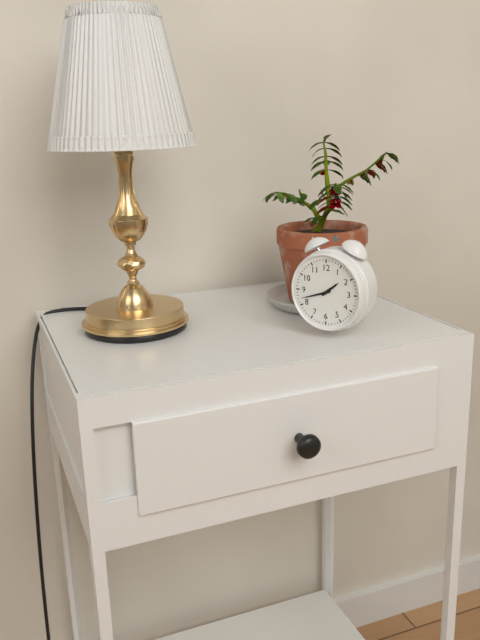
h=1 m=42
